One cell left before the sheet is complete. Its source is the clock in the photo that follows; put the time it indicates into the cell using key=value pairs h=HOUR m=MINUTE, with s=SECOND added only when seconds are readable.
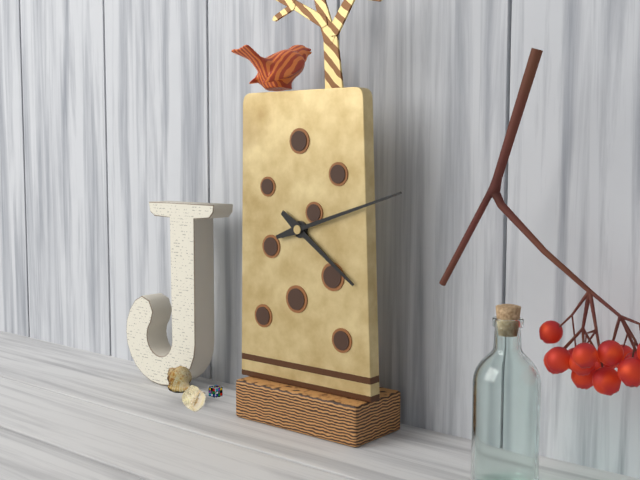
h=4 m=12
